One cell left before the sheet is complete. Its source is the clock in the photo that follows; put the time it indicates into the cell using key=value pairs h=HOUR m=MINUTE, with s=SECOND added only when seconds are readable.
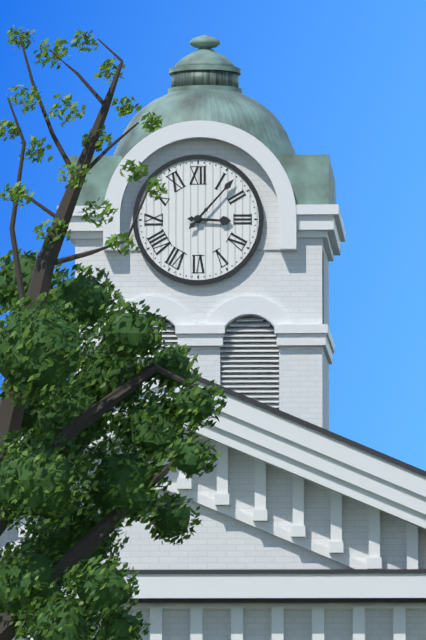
h=3 m=7
